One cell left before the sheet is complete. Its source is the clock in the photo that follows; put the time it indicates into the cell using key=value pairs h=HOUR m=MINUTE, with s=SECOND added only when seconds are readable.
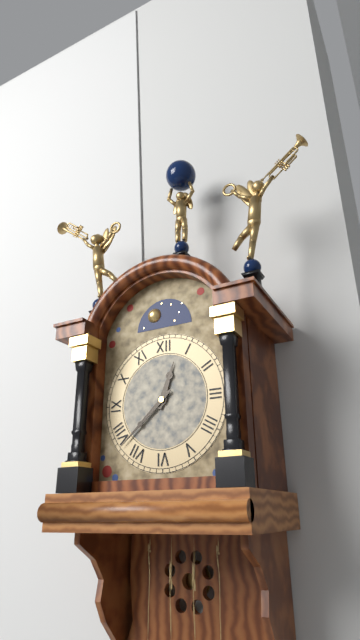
h=12 m=38
